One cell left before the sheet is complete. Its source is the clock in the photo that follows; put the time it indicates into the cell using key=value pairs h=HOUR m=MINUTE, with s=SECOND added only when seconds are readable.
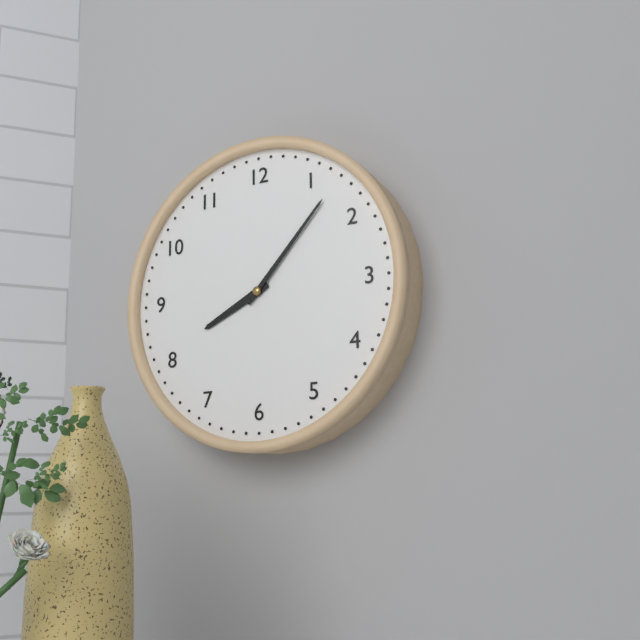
h=8 m=7
